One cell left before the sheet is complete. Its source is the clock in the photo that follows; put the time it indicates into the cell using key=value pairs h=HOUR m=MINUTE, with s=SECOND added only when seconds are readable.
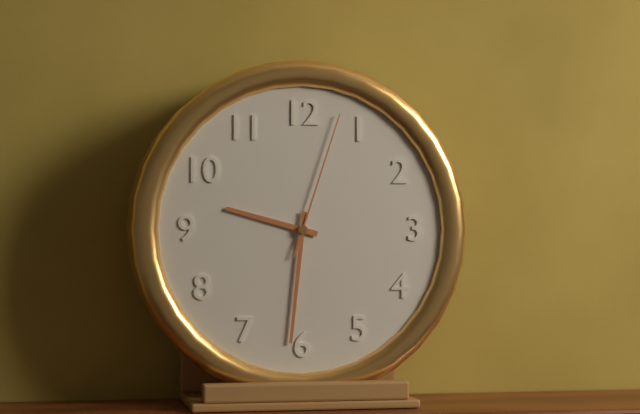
h=9 m=31 s=3
